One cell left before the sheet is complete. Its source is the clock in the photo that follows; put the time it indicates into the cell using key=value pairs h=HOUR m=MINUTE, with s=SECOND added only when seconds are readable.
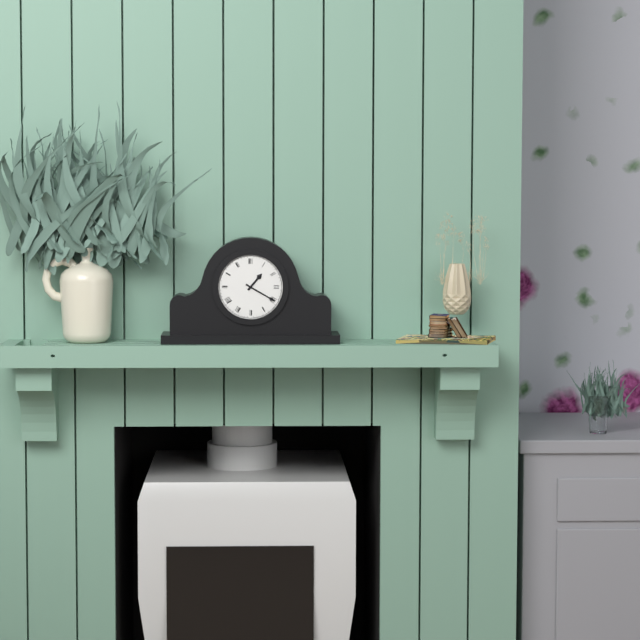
h=1 m=20
